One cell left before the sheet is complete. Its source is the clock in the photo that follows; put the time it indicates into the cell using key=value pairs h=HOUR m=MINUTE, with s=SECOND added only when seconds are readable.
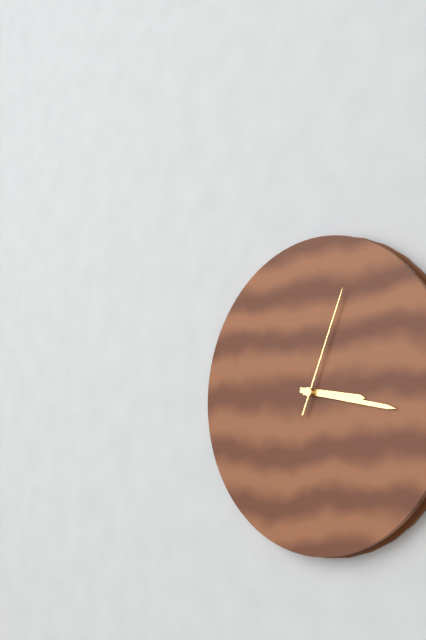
h=3 m=17 s=4
